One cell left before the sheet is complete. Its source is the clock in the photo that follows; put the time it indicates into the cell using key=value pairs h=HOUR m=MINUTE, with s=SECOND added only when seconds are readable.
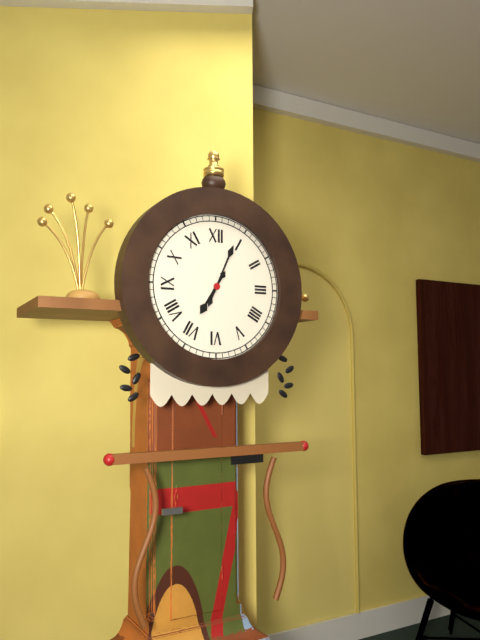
h=7 m=4
